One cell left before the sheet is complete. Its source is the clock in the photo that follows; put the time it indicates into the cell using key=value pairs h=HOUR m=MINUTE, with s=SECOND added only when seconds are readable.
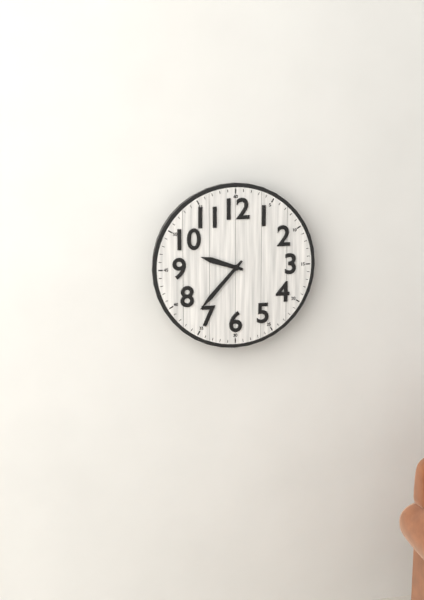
h=9 m=37
